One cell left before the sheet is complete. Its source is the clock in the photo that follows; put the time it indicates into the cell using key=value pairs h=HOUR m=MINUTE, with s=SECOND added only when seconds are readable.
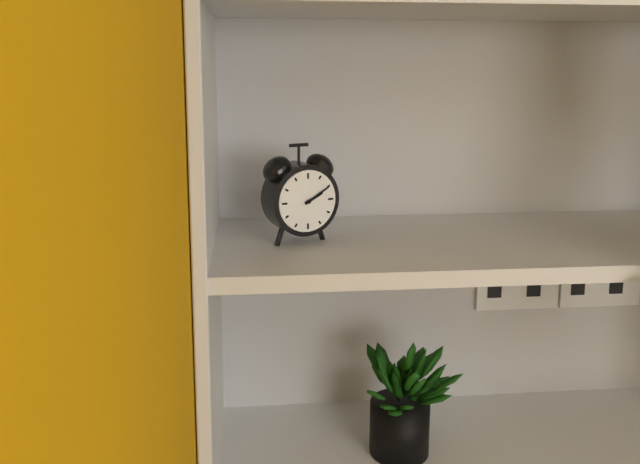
h=2 m=10
